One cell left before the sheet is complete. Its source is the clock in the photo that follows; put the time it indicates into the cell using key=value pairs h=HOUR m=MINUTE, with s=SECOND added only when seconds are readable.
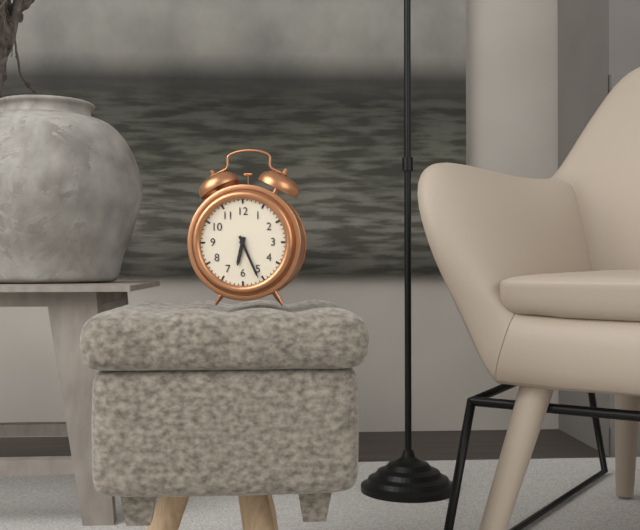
h=6 m=26
